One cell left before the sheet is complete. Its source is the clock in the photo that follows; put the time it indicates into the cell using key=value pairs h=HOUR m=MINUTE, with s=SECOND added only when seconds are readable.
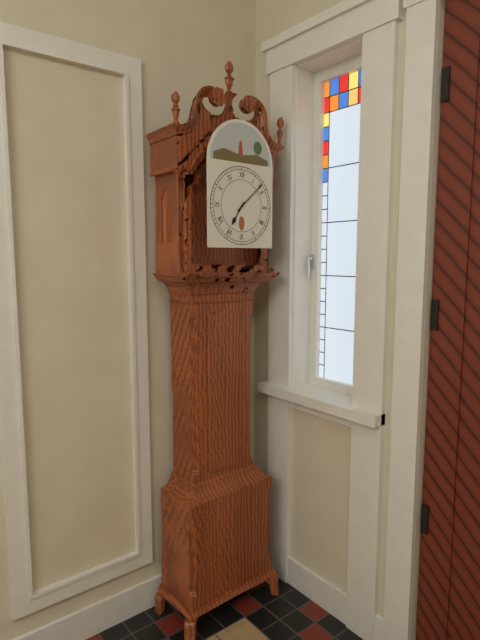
h=7 m=8
